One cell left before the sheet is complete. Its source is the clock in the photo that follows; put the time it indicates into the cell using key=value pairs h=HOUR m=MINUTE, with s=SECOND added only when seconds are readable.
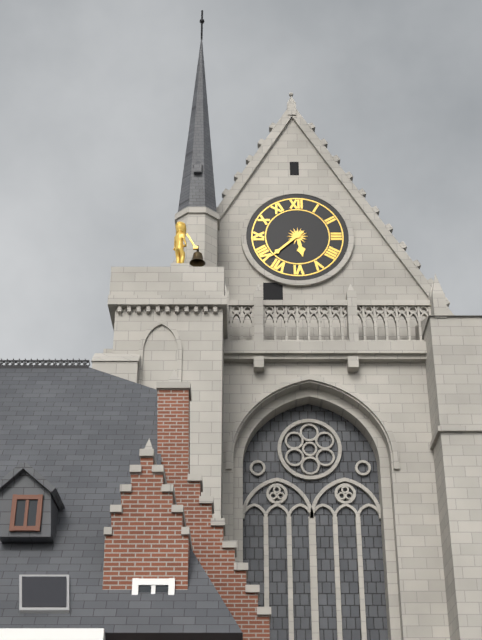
h=5 m=38
